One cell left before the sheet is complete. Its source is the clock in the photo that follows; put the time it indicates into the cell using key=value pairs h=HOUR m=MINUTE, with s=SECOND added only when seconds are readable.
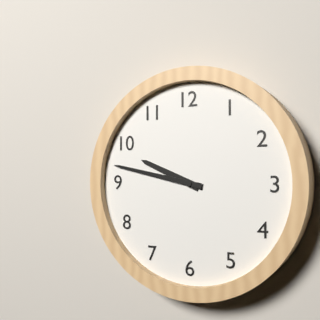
h=9 m=47
